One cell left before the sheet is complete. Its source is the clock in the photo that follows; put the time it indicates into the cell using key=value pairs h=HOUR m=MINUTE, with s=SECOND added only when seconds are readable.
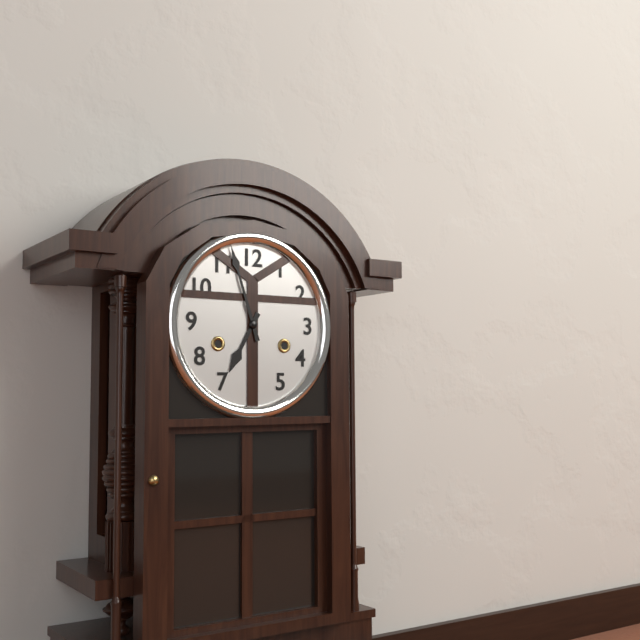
h=6 m=57
